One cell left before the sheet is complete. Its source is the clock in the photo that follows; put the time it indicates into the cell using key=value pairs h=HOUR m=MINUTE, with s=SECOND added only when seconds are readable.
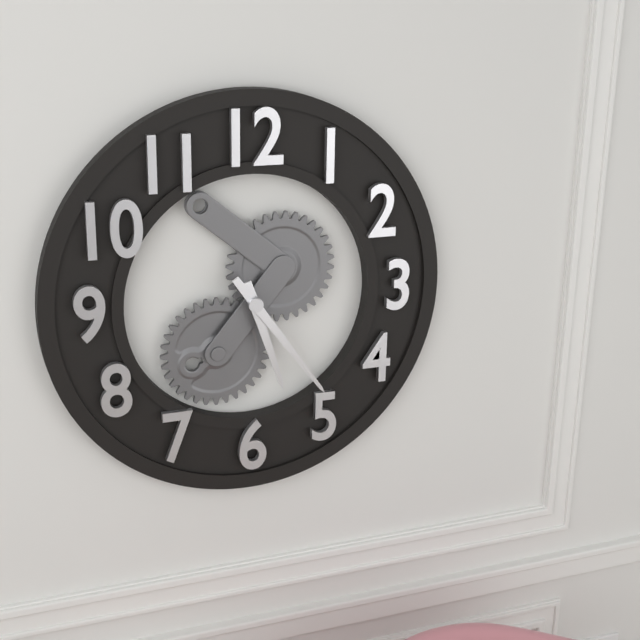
h=5 m=24
